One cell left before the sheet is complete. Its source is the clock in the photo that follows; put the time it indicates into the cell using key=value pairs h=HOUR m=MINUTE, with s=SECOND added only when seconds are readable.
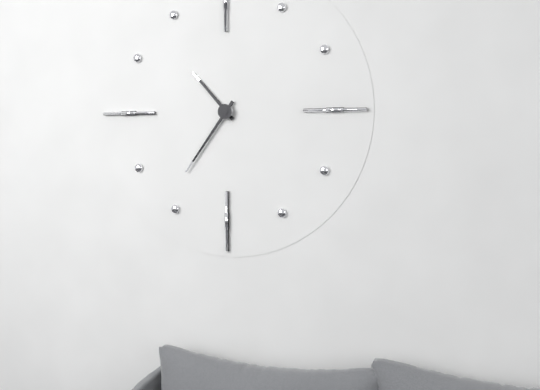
h=10 m=36
